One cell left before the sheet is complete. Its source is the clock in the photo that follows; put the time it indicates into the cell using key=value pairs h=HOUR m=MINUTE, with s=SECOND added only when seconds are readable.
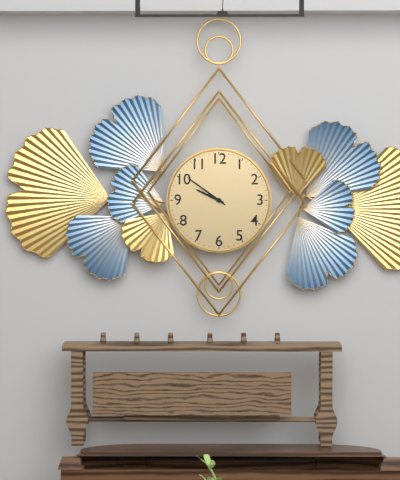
h=9 m=51
